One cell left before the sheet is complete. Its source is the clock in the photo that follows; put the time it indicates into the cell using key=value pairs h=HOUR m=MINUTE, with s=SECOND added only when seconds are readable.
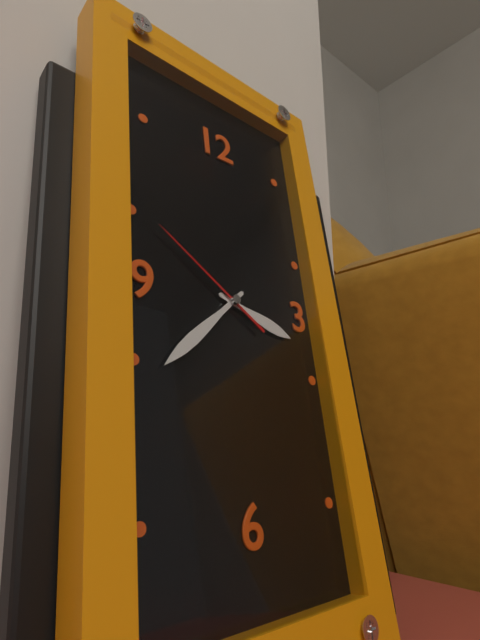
h=3 m=38 s=51
